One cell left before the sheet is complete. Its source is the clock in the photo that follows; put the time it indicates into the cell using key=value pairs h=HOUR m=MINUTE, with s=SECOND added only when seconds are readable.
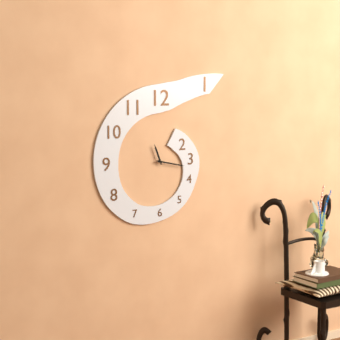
h=11 m=17
